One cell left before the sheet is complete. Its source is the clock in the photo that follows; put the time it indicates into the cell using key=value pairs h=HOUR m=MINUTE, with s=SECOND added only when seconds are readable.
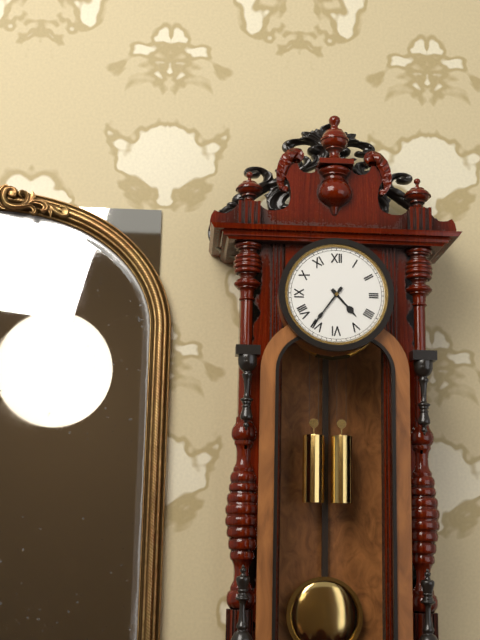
h=4 m=36
